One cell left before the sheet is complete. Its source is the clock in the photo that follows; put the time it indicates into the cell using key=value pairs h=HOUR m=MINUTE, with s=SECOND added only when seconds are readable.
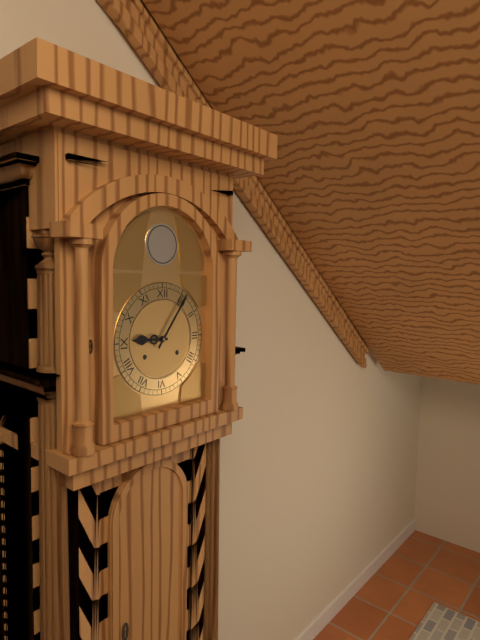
h=9 m=6
